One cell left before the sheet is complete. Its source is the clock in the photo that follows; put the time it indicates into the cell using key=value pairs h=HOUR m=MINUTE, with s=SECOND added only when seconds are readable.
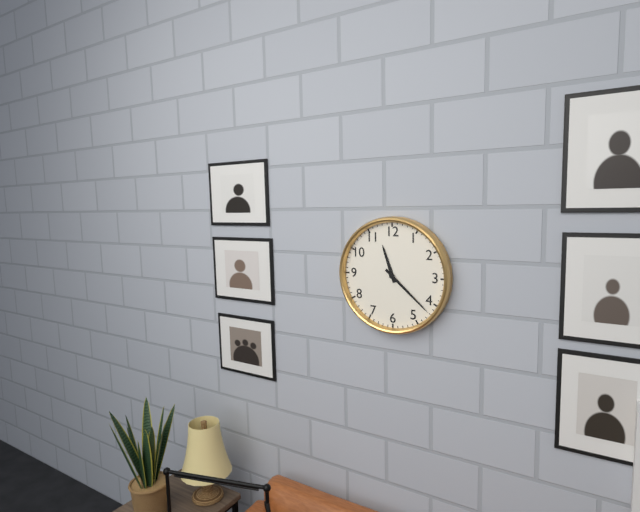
h=11 m=22
